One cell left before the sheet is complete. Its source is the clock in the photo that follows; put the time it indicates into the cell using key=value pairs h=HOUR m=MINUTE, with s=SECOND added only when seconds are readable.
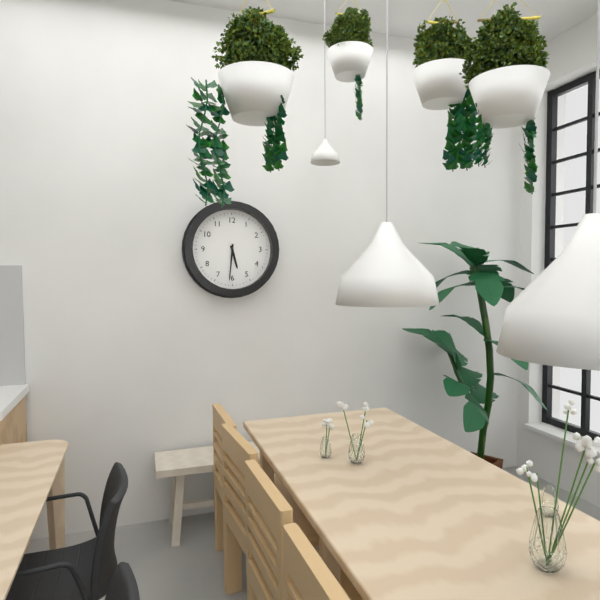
h=5 m=31
